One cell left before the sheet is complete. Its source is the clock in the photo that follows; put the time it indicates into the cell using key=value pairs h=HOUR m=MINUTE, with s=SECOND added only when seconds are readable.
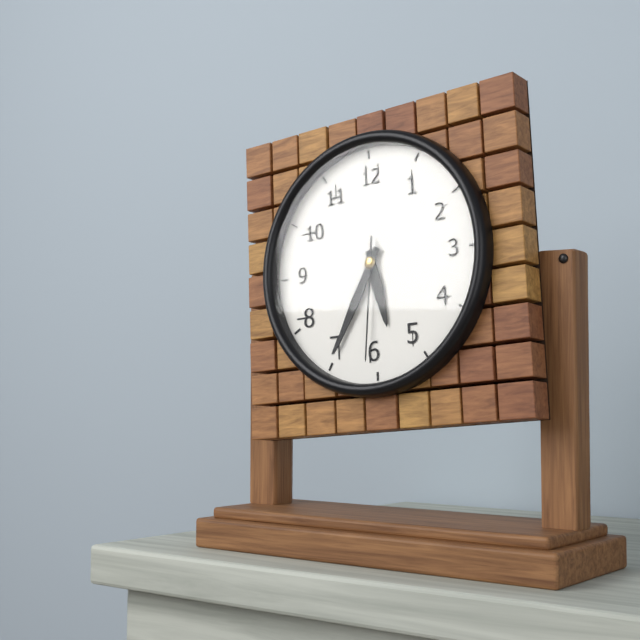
h=5 m=35 s=31
